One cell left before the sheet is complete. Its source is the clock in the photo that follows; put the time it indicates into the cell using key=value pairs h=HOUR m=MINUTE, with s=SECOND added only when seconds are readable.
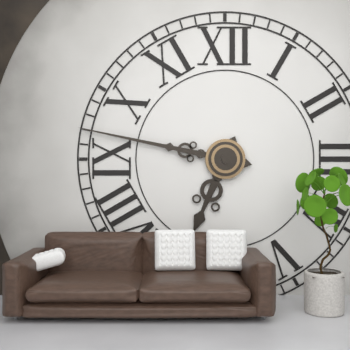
h=6 m=47
